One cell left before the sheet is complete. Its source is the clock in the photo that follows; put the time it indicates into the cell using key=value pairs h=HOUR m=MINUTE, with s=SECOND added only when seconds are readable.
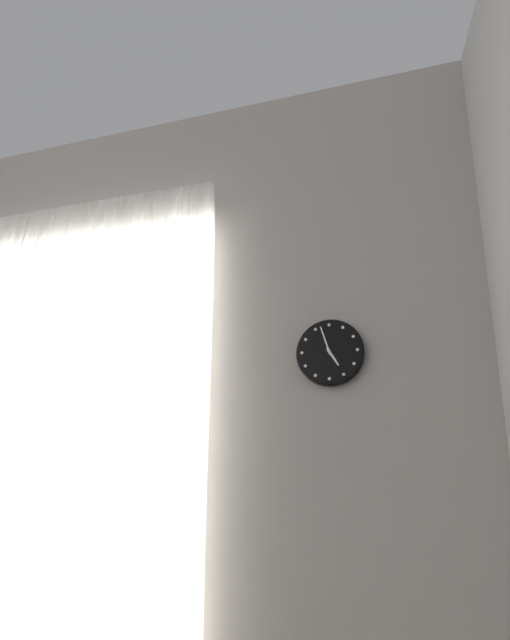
h=4 m=57
